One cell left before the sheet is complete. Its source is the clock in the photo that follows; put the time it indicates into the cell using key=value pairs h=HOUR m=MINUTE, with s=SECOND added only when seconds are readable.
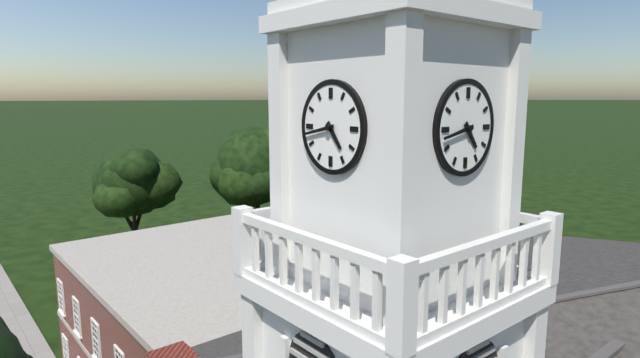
h=4 m=43
